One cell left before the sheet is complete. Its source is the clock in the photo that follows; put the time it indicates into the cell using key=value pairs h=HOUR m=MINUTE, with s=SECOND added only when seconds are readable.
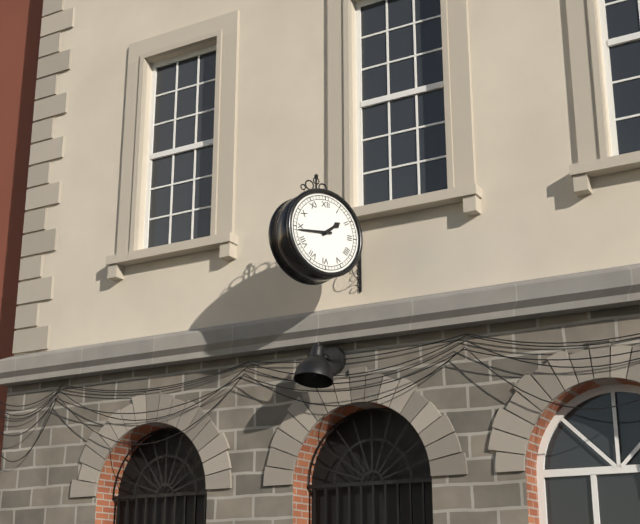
h=1 m=44
